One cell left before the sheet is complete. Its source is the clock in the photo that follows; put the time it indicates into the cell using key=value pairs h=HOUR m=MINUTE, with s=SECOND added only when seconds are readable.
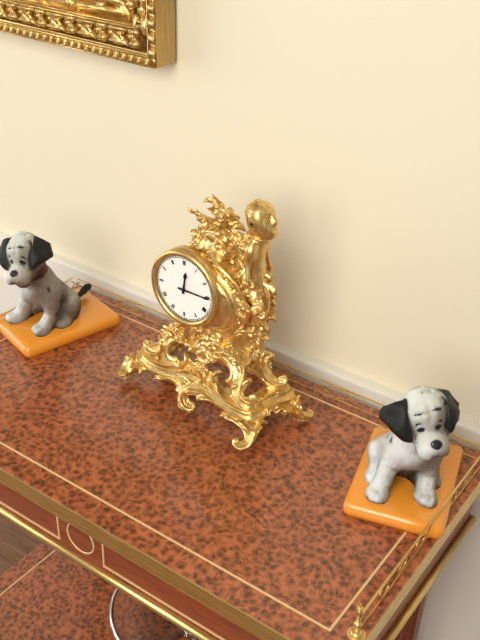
h=12 m=15
